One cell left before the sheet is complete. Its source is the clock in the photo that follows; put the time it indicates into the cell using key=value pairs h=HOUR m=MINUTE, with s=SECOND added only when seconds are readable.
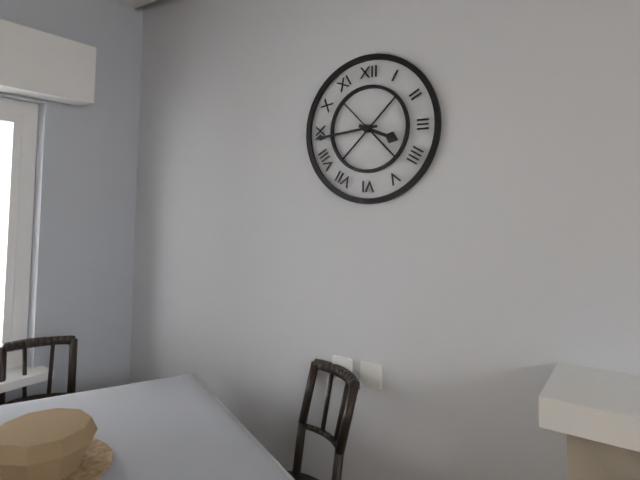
h=3 m=44
